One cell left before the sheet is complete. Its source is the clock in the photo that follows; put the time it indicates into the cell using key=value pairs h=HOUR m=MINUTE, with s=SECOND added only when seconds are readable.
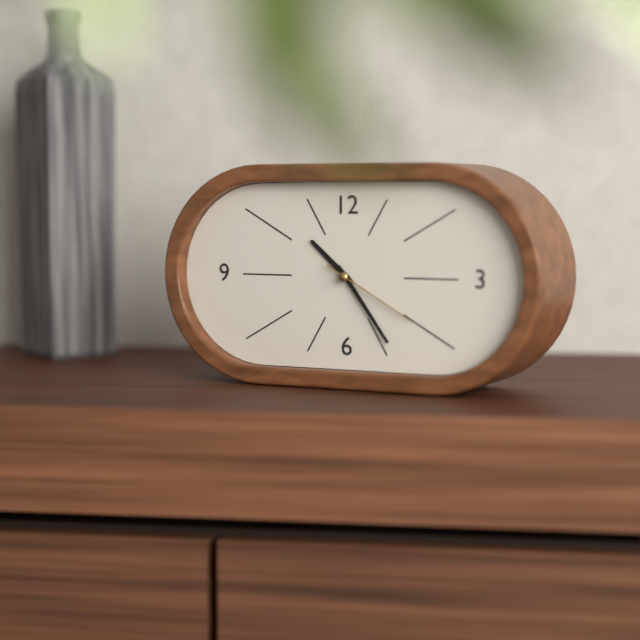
h=10 m=24 s=20
